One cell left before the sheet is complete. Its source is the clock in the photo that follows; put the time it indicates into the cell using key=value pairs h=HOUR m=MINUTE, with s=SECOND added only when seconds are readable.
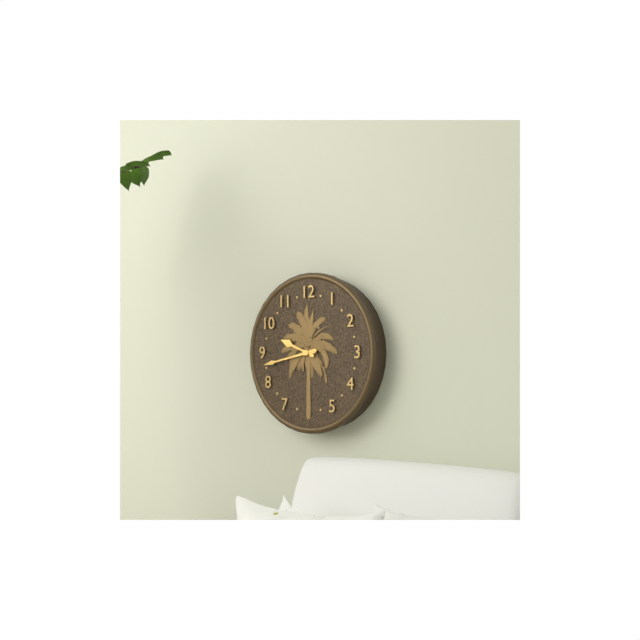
h=9 m=43
